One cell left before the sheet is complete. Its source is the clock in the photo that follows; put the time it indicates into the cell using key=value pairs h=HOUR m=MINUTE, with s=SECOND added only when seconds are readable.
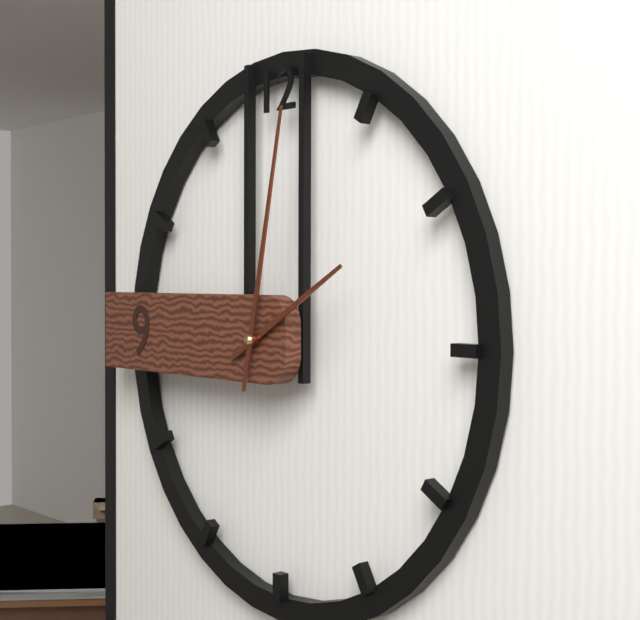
h=2 m=2
